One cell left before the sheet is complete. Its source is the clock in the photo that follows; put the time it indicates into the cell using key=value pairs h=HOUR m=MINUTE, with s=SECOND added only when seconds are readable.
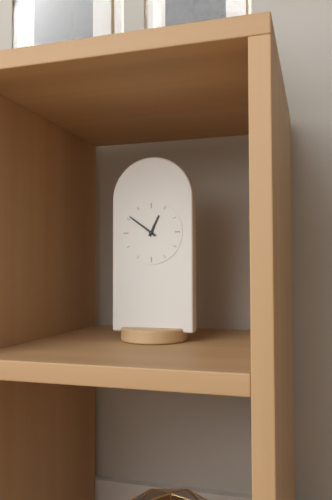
h=12 m=51
